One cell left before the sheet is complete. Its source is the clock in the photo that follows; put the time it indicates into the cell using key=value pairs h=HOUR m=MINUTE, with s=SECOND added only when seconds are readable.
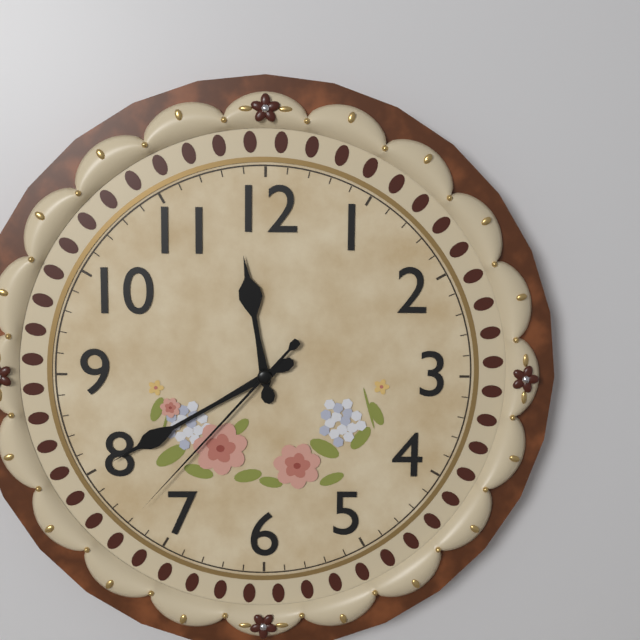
h=11 m=40 s=37
